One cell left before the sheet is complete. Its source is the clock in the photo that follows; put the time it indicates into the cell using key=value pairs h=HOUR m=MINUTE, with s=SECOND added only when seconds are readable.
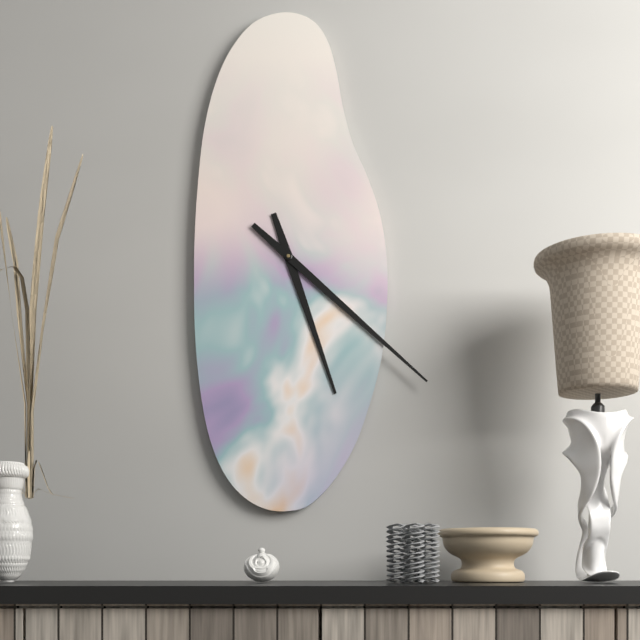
h=5 m=22
